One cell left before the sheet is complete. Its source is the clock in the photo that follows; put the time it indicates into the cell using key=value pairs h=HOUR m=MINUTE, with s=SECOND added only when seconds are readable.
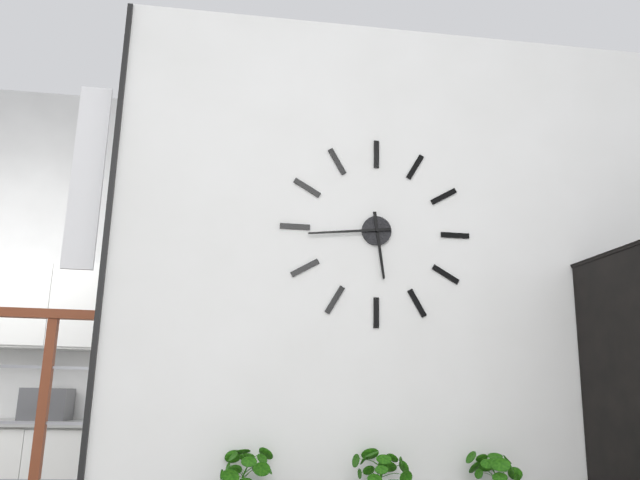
h=5 m=44
